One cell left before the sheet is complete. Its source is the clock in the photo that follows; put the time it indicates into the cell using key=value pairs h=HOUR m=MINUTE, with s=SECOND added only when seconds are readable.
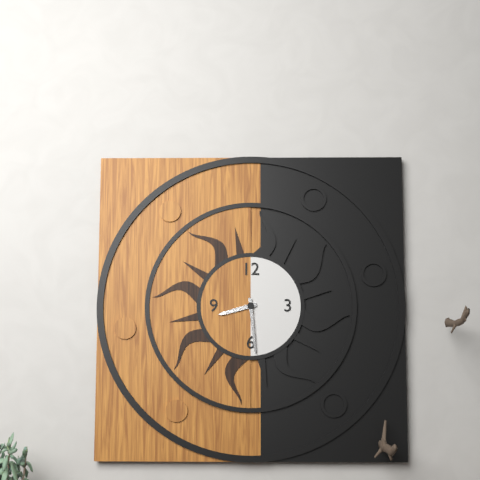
h=8 m=29
